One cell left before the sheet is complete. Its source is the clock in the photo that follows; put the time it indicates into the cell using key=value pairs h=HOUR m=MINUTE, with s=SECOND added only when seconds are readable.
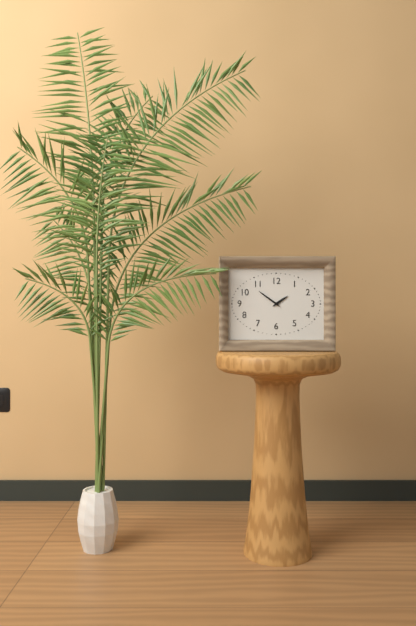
h=1 m=51
